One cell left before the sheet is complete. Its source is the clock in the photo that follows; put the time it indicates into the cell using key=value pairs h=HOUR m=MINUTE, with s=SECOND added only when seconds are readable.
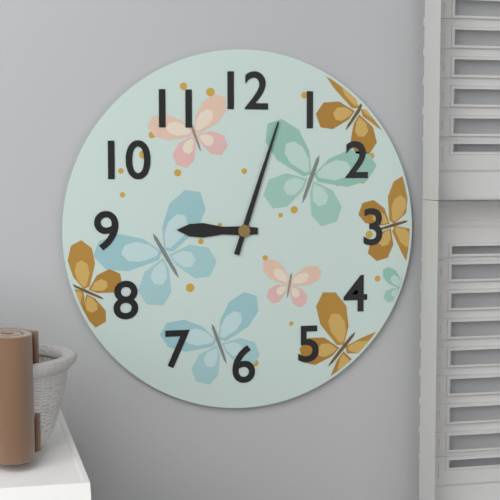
h=9 m=3
